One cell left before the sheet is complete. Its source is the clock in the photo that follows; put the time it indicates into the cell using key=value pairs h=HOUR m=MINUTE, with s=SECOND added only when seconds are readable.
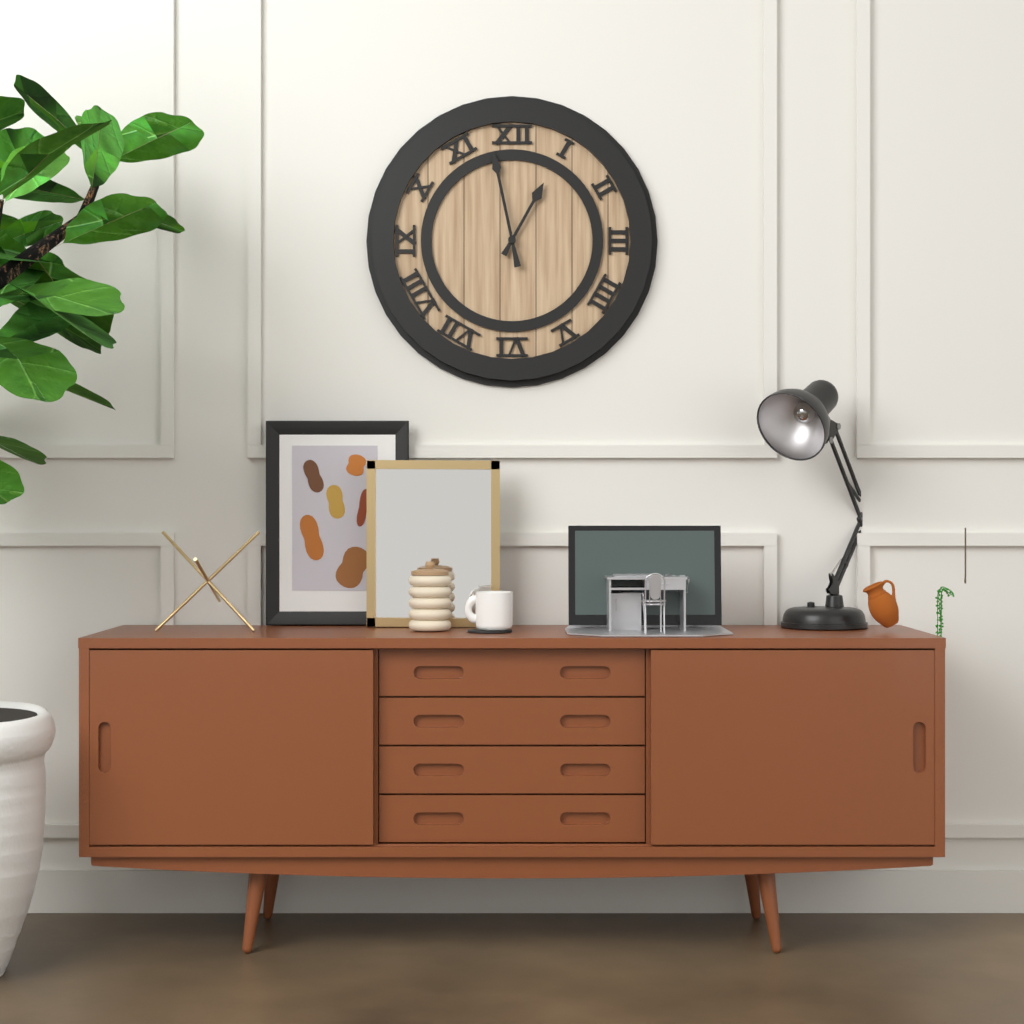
h=12 m=58
